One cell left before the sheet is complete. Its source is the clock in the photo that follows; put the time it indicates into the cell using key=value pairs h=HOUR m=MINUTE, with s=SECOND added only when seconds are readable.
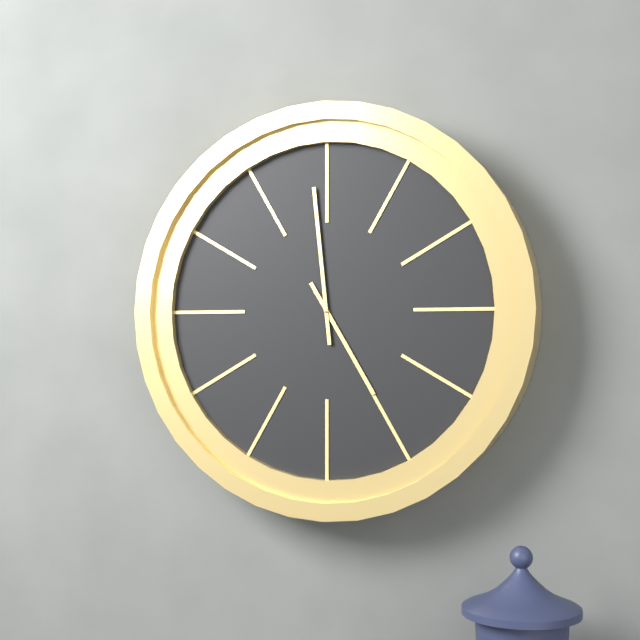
h=4 m=59
